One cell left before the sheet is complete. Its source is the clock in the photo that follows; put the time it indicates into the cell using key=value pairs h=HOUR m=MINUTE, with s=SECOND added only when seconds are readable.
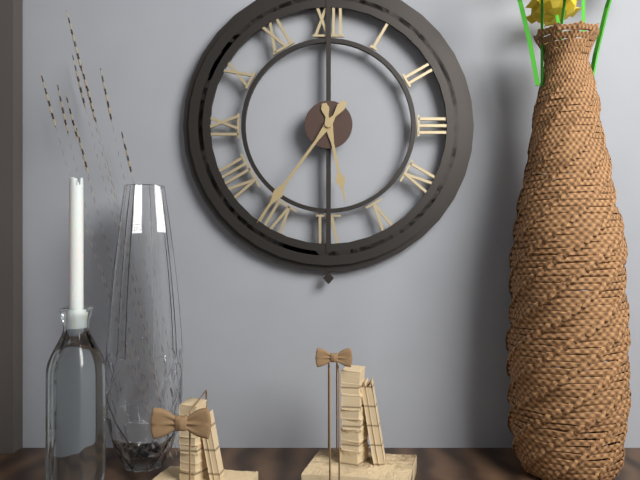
h=5 m=36
